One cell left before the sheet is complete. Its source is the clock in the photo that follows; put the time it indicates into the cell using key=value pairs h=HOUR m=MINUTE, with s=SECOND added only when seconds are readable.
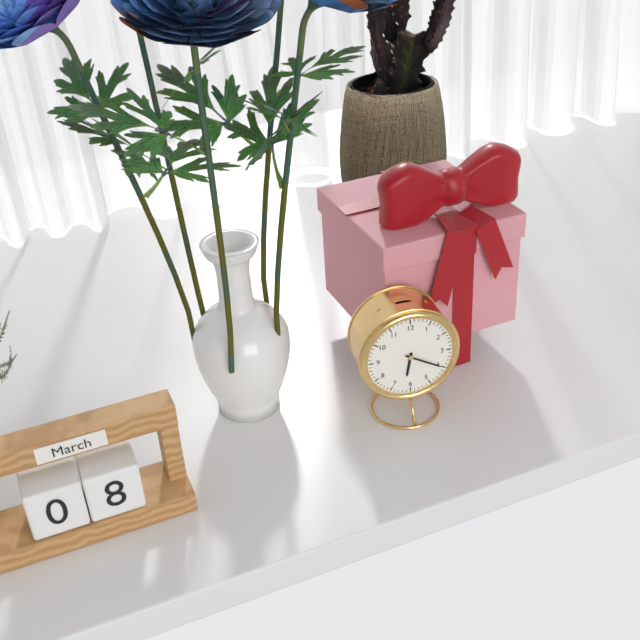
h=6 m=20
